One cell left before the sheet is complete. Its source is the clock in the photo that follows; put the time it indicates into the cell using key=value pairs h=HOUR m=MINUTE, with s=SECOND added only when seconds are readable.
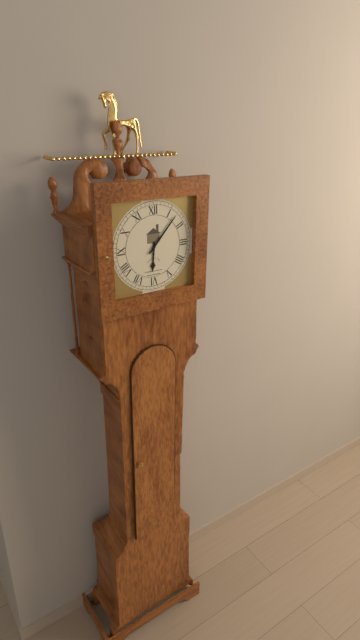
h=6 m=7
